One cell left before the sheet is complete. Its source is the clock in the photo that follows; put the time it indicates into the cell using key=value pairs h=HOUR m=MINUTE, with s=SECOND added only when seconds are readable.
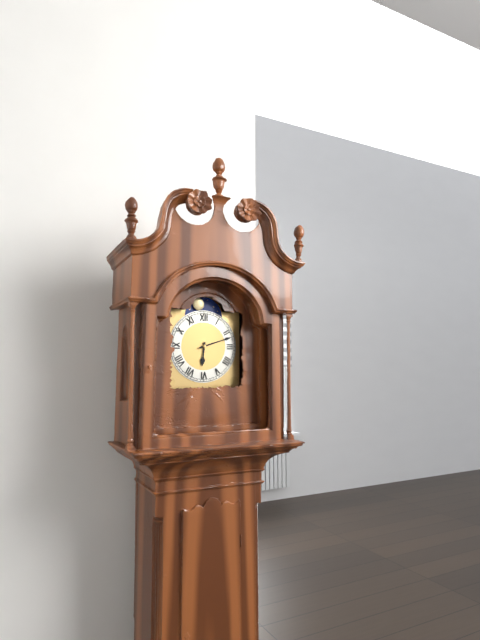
h=6 m=12
